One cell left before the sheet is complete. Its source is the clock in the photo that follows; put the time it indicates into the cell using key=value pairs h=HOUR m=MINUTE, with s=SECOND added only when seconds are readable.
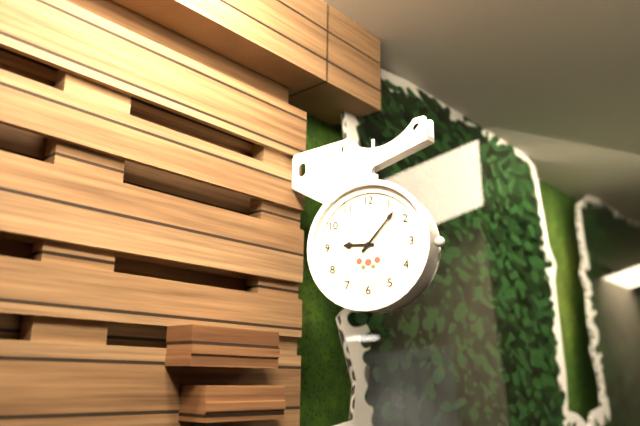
h=9 m=7
